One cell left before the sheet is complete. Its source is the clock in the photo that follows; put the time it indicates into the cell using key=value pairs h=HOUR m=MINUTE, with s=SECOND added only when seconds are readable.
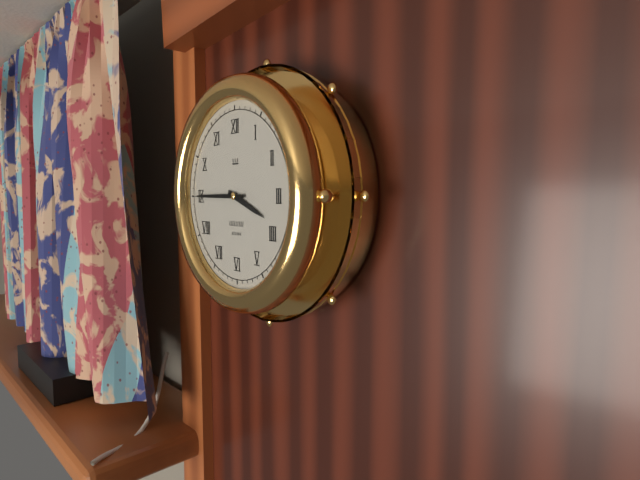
h=3 m=45
